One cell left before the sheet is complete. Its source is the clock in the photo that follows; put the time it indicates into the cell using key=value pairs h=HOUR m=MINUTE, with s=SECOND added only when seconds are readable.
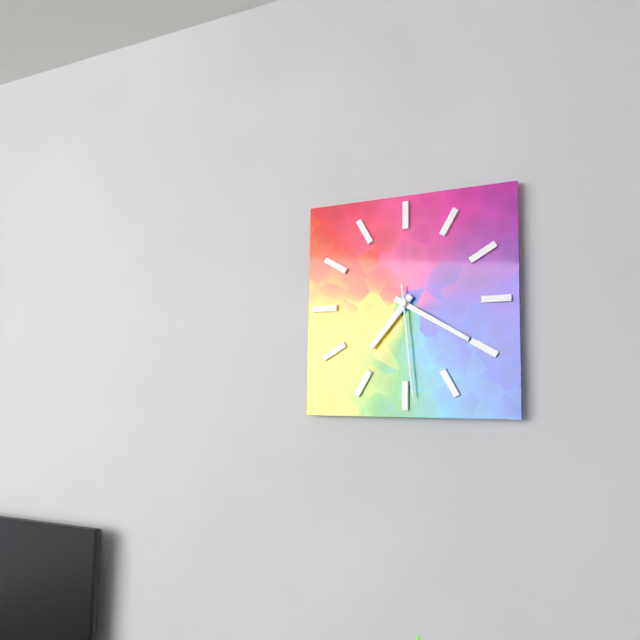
h=7 m=20 s=29
